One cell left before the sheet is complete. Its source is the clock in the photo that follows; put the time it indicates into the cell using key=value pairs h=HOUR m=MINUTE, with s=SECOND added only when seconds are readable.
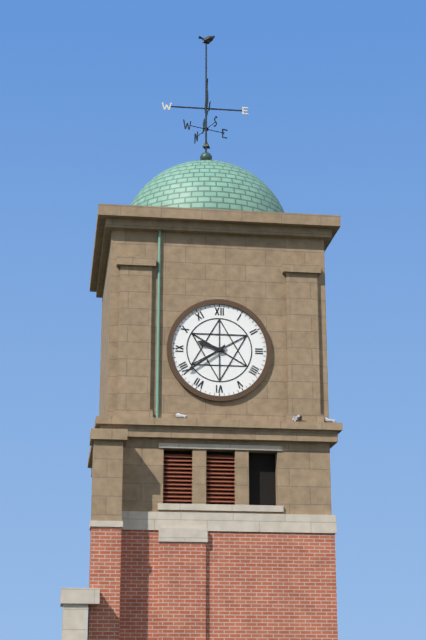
h=9 m=39
